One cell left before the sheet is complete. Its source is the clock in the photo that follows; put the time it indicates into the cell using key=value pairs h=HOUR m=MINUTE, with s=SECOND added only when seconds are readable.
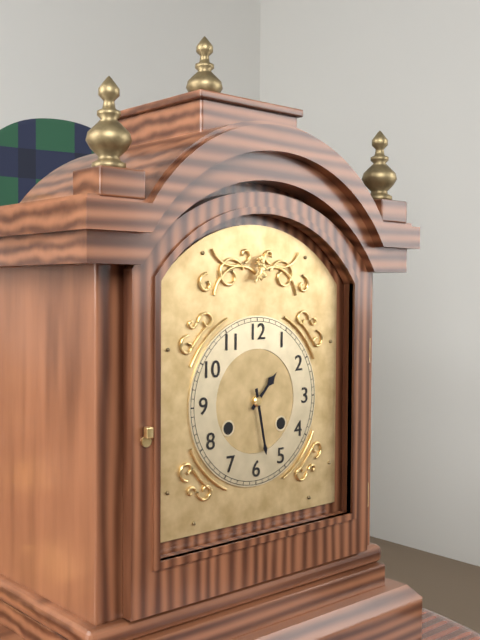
h=1 m=28
